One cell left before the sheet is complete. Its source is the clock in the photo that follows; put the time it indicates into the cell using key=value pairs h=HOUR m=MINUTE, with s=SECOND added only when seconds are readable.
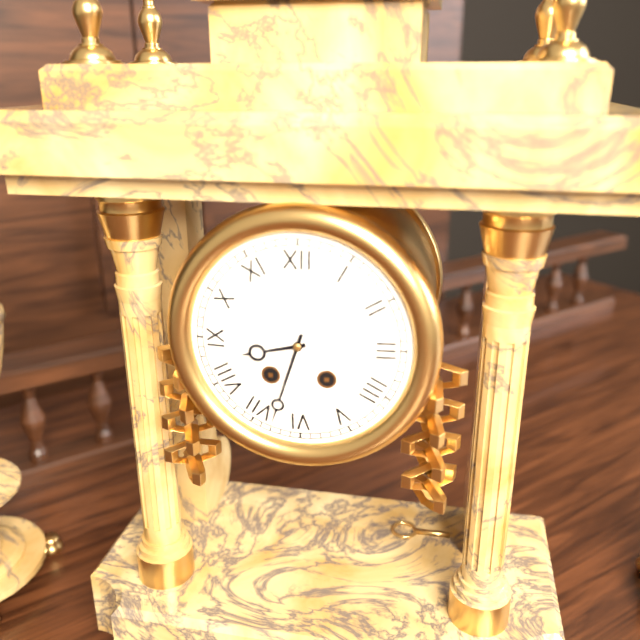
h=8 m=33
